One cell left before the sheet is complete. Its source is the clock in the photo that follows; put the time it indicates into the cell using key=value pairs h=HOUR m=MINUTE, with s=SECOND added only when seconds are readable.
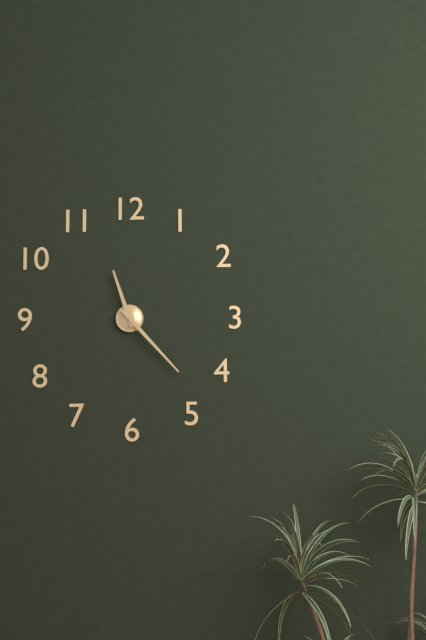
h=11 m=23
